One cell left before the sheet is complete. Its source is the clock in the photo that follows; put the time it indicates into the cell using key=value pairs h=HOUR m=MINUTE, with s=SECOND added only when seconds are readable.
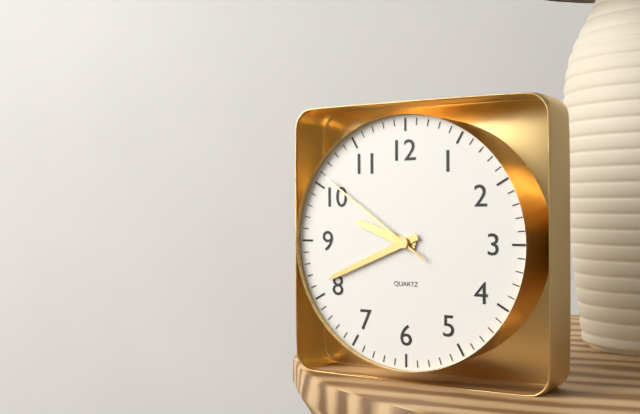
h=9 m=41 s=51
